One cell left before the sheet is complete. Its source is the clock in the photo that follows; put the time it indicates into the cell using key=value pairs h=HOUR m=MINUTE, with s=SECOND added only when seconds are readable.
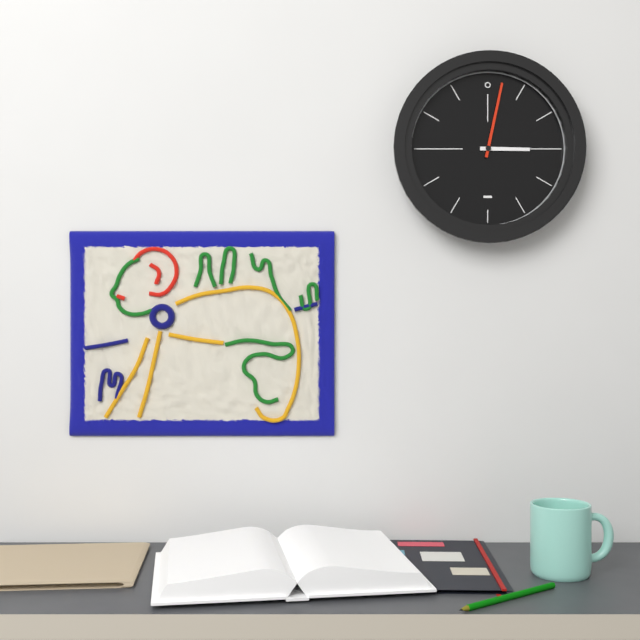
h=3 m=2
